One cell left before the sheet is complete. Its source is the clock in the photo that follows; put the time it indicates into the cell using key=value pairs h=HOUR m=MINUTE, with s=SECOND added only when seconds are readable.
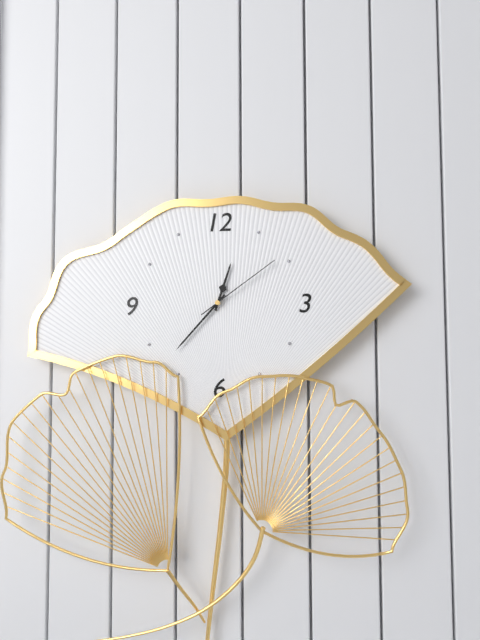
h=12 m=37 s=9
